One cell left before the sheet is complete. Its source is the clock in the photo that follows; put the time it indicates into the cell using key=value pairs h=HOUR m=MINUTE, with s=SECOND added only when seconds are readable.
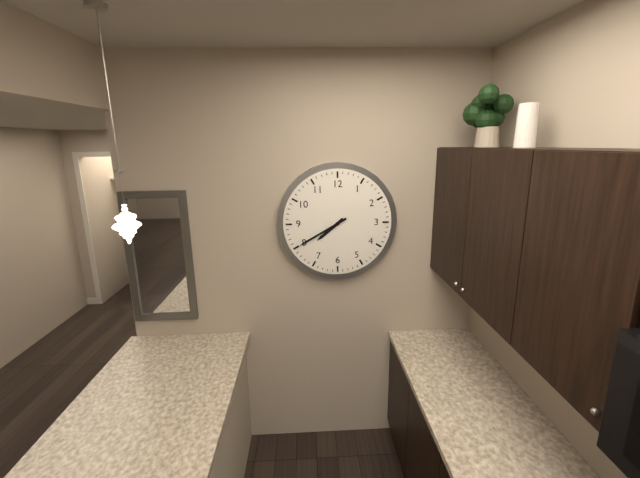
h=7 m=40
